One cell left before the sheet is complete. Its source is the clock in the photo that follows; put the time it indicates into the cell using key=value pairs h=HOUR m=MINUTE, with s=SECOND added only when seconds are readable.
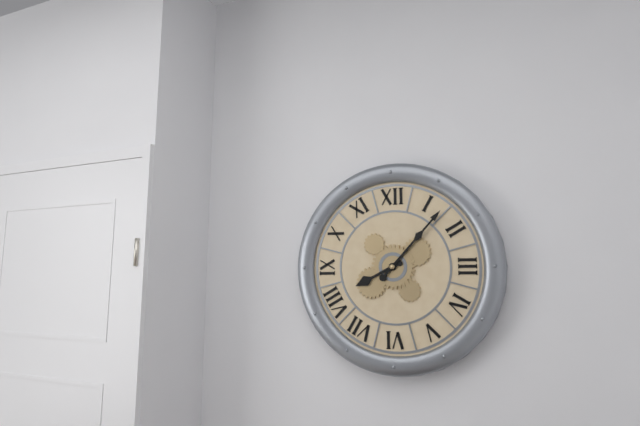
h=8 m=7
